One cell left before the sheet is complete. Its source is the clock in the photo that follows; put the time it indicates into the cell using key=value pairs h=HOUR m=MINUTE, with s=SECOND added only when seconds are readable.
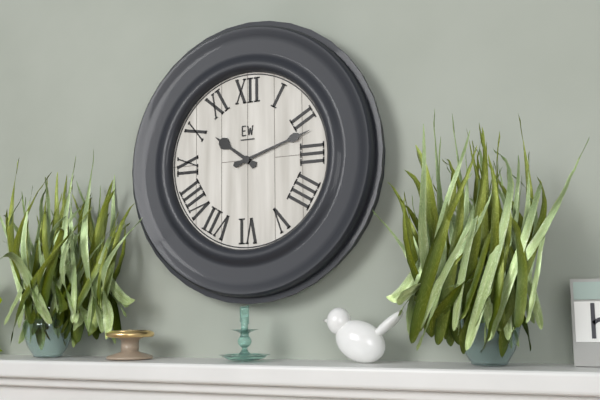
h=10 m=12
